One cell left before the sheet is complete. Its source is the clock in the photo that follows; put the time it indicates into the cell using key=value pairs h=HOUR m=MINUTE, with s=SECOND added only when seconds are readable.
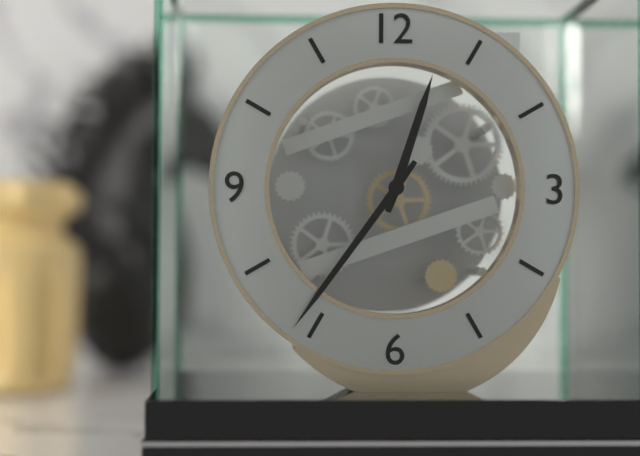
h=12 m=36
